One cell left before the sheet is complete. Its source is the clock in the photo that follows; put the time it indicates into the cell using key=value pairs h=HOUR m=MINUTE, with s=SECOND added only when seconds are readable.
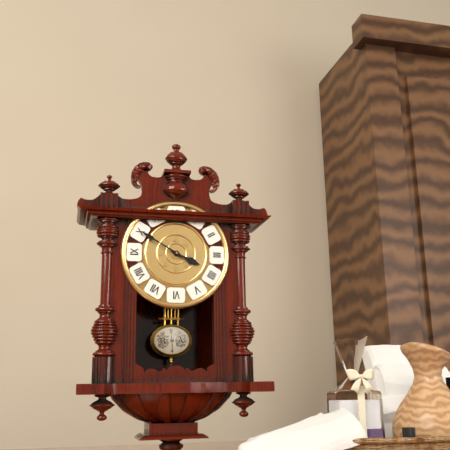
h=3 m=50
